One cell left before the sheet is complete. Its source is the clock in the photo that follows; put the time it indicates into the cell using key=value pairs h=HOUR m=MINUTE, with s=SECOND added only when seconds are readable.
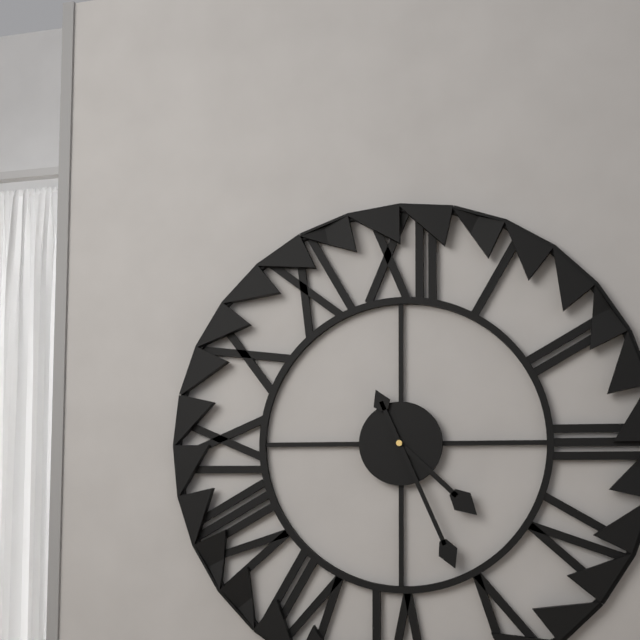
h=4 m=26
